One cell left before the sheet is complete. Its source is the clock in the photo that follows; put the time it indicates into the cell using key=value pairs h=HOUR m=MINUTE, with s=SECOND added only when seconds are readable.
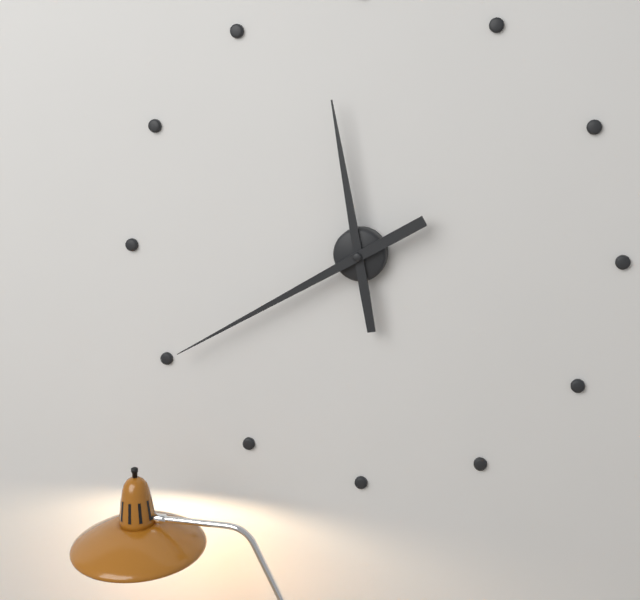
h=11 m=40
